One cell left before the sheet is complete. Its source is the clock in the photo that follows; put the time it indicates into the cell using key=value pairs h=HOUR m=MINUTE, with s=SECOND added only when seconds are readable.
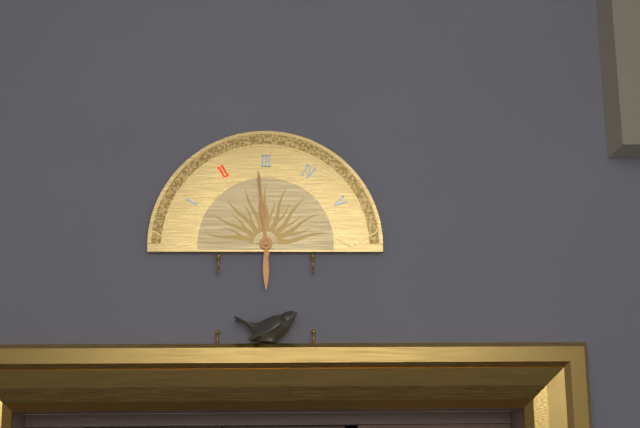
h=5 m=59
